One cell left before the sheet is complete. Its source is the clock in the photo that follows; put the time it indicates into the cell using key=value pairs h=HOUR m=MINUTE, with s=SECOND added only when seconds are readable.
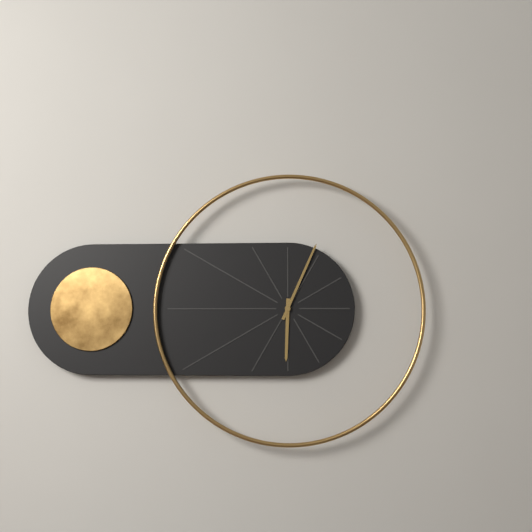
h=6 m=4
